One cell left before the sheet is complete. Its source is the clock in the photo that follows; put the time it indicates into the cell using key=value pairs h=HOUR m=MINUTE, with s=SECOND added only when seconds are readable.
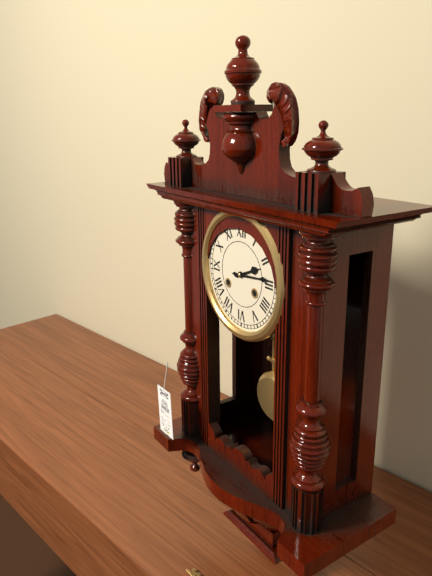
h=2 m=14
